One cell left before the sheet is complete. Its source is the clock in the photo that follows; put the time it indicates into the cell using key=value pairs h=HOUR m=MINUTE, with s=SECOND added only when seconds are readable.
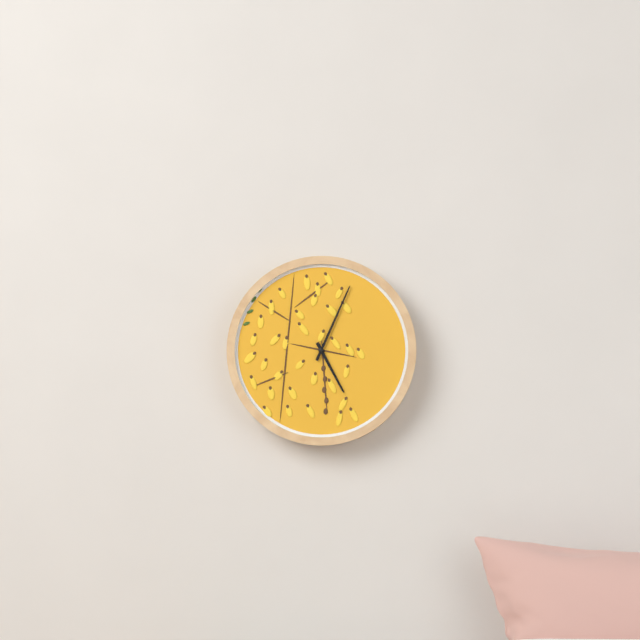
h=5 m=4
